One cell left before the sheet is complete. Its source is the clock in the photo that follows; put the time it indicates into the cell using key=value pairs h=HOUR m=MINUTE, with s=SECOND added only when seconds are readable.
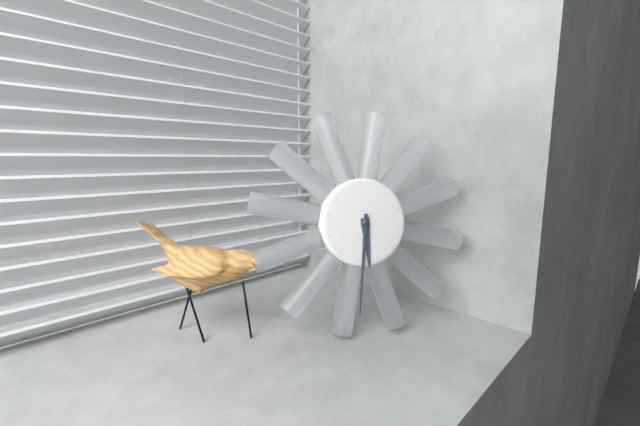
h=5 m=29
